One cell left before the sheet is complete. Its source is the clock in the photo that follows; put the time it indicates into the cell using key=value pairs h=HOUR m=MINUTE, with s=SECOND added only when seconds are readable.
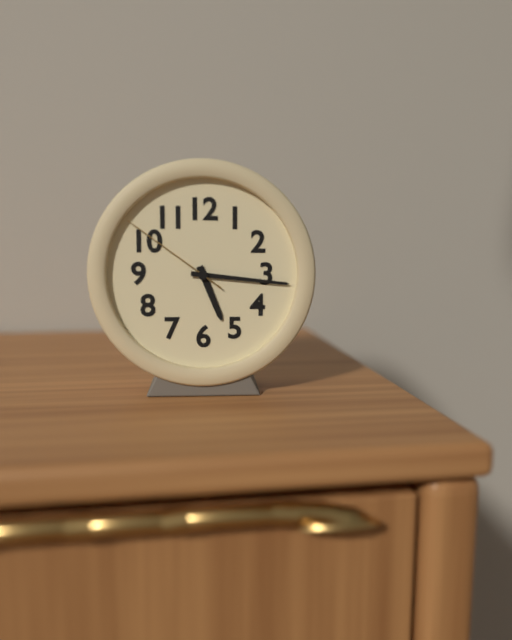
h=5 m=16 s=51
